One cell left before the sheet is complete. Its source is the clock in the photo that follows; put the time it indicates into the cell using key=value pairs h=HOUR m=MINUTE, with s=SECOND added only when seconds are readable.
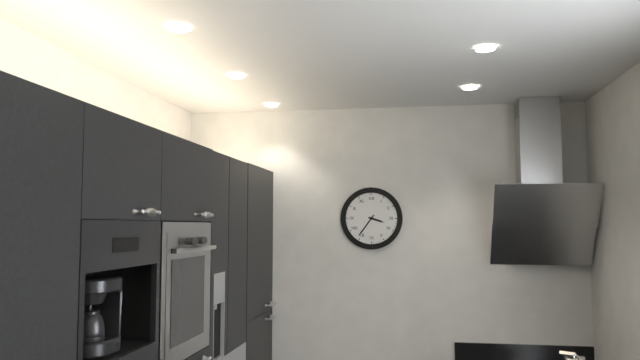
h=3 m=36
